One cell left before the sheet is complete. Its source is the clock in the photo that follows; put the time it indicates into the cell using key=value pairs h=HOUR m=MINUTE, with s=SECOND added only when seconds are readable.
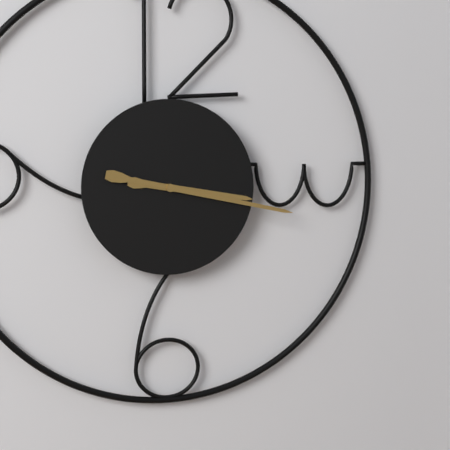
h=3 m=17
